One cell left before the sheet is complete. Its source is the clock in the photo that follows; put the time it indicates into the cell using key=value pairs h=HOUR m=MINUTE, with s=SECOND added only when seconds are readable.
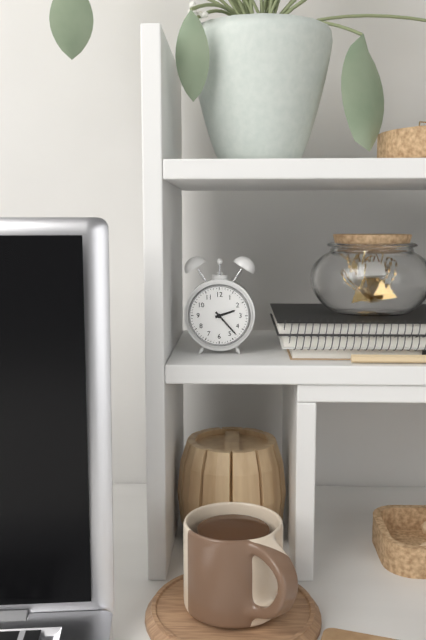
h=2 m=23
